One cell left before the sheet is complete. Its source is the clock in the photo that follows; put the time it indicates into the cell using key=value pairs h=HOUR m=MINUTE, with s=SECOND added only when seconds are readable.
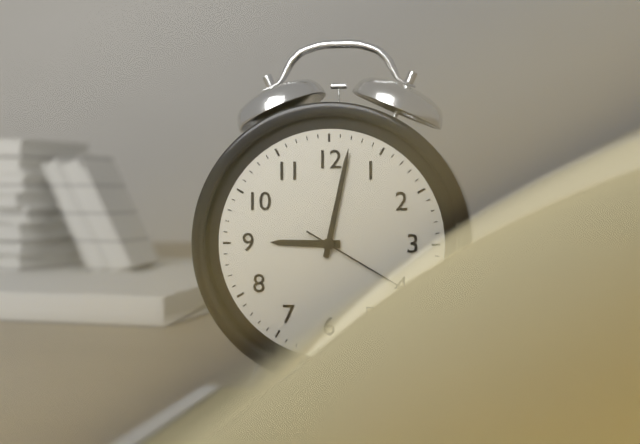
h=9 m=2
